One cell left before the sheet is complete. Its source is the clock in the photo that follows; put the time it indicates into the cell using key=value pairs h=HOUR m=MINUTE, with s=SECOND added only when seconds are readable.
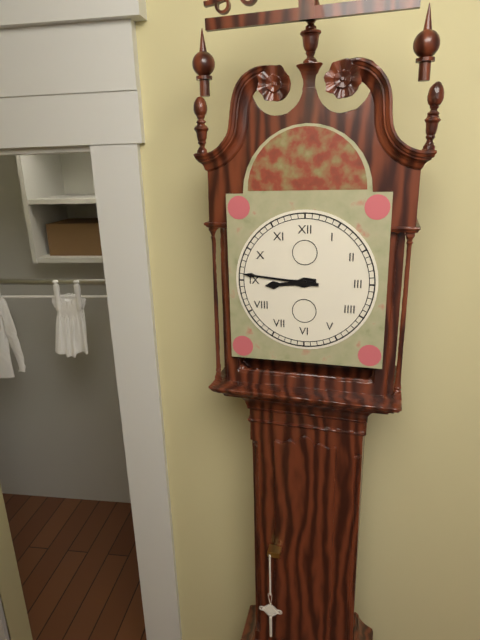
h=8 m=46
